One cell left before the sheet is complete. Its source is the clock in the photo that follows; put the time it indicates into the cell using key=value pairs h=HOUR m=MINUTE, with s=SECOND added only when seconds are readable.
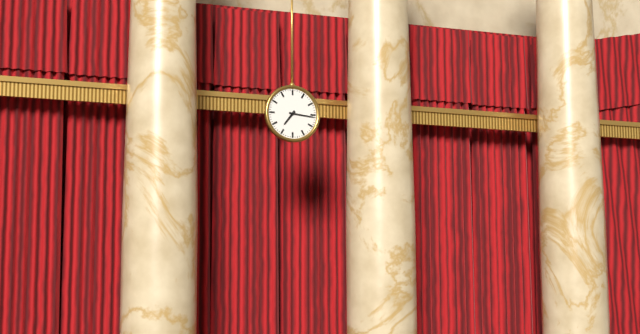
h=7 m=16
